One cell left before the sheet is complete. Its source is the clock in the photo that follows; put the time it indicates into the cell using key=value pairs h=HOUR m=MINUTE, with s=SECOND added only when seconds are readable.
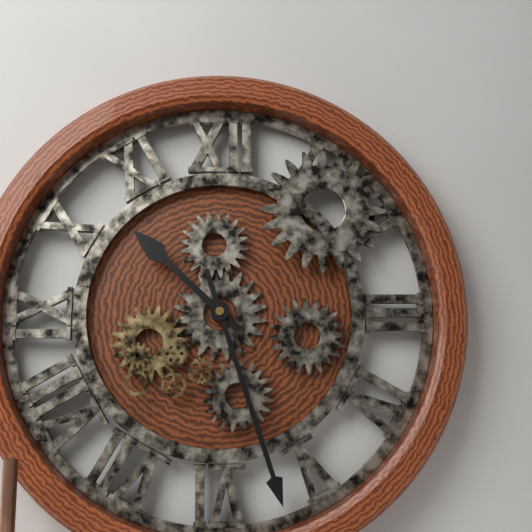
h=10 m=27
